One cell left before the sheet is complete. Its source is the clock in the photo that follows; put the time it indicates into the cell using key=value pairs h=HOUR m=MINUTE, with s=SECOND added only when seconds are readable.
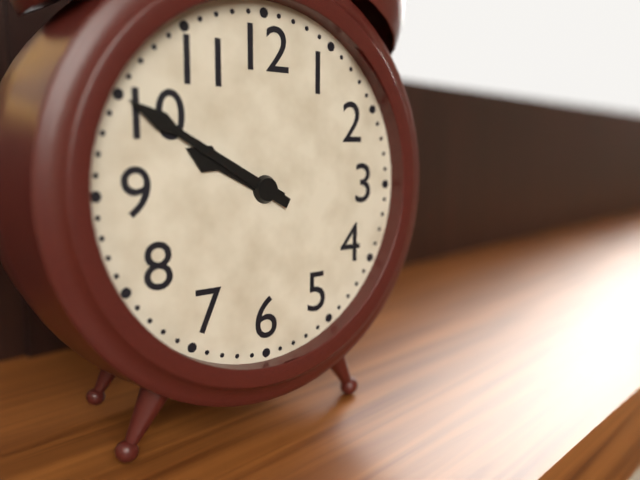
h=9 m=50
